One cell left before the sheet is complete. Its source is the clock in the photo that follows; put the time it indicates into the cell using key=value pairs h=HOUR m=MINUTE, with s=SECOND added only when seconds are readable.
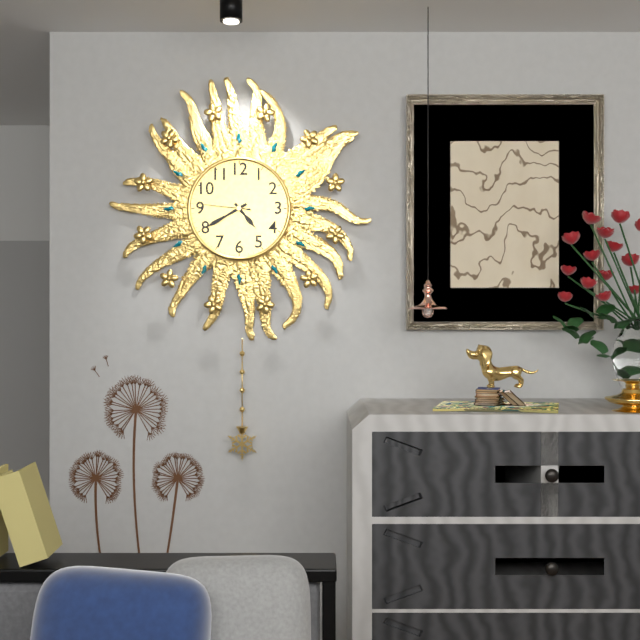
h=4 m=40 s=46
